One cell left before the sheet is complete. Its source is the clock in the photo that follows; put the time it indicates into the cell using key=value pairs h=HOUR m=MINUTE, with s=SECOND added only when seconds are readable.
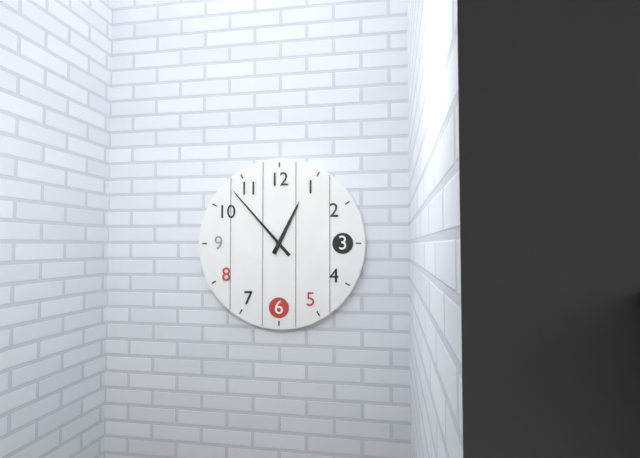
h=12 m=53
